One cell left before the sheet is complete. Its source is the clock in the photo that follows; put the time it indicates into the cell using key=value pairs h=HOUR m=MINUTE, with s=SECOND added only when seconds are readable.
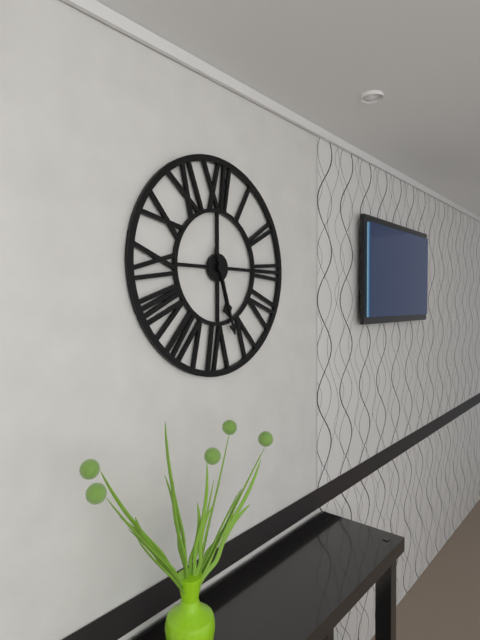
h=5 m=27
